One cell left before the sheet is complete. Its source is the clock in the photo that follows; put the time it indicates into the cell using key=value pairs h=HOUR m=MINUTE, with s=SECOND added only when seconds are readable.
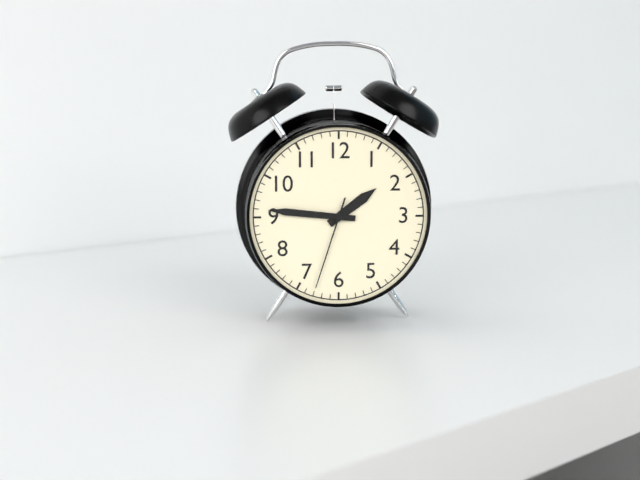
h=1 m=46 s=33
